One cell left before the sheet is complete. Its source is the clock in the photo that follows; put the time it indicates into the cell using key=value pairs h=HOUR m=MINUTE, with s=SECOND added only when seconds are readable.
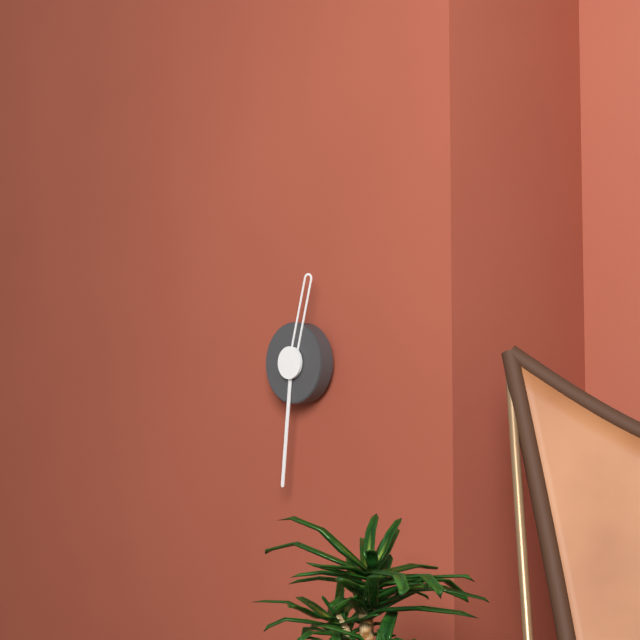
h=12 m=31
